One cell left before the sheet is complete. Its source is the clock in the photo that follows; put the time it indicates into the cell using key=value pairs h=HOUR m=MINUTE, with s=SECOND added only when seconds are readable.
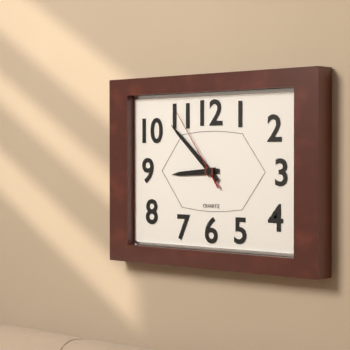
h=8 m=52 s=54
